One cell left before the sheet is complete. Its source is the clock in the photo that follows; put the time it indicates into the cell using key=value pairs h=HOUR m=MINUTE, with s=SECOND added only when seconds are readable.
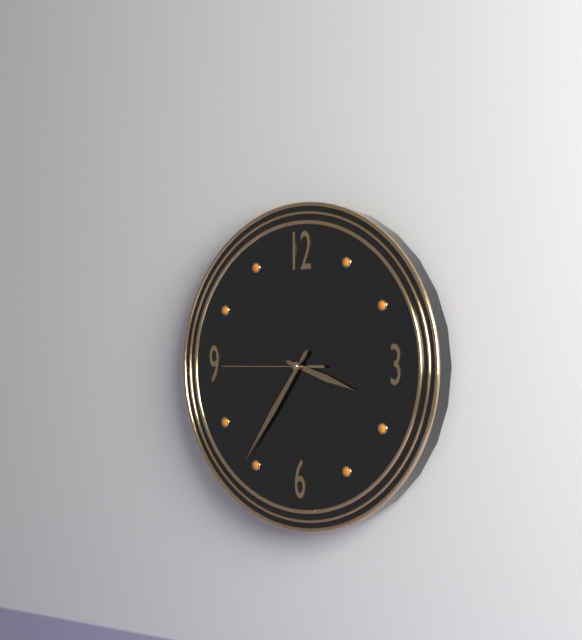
h=3 m=36 s=45
